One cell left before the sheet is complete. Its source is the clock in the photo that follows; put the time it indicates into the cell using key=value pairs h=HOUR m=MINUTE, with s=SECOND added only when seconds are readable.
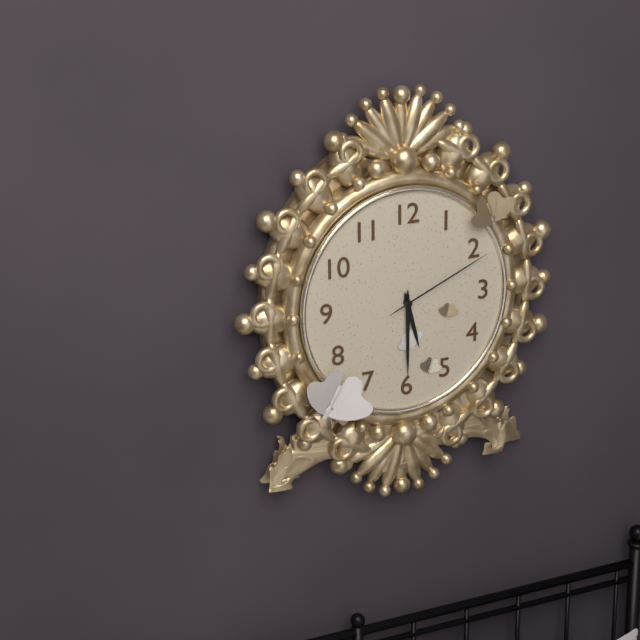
h=5 m=30 s=11
